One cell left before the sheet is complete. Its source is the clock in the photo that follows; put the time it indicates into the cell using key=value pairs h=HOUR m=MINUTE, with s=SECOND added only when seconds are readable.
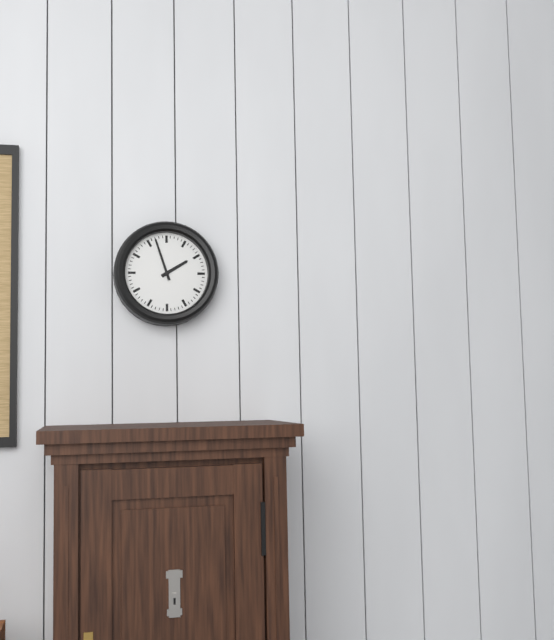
h=1 m=57
